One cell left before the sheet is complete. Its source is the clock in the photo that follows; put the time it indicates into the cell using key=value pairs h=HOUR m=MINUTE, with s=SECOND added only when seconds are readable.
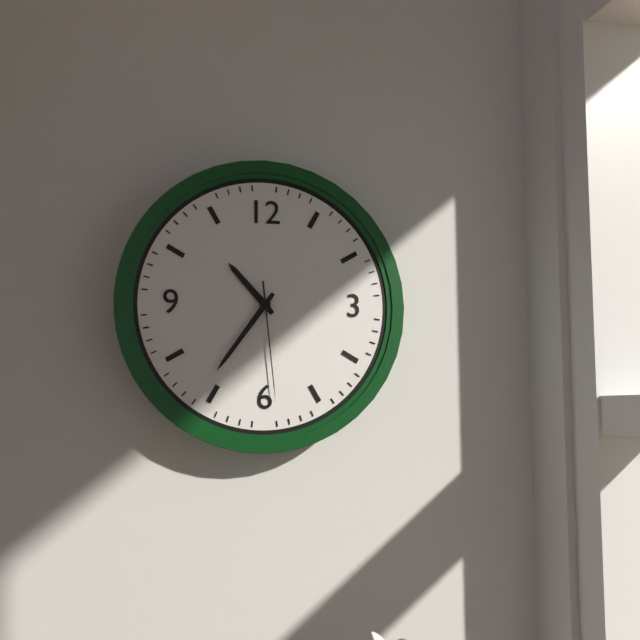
h=10 m=36 s=29
